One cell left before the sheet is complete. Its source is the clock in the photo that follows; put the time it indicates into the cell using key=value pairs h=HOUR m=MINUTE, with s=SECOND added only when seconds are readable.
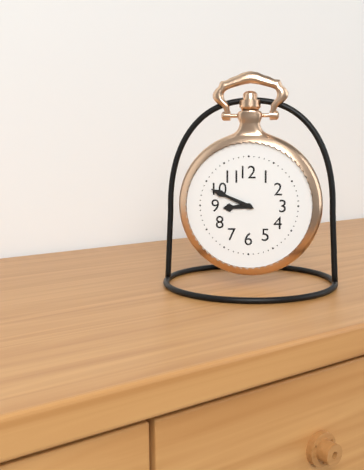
h=8 m=49
